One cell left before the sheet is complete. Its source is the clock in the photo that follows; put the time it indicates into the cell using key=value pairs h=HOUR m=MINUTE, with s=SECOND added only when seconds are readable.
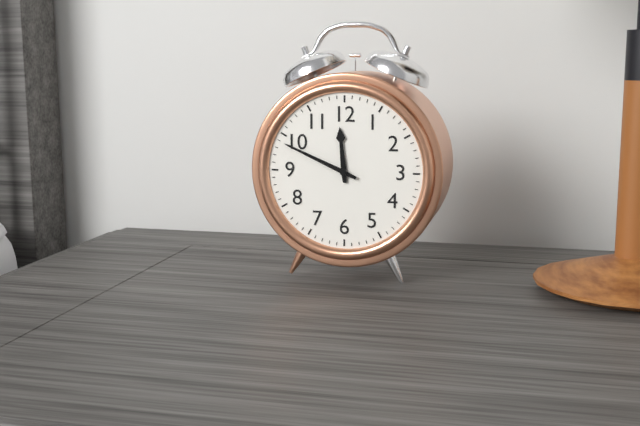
h=11 m=49
